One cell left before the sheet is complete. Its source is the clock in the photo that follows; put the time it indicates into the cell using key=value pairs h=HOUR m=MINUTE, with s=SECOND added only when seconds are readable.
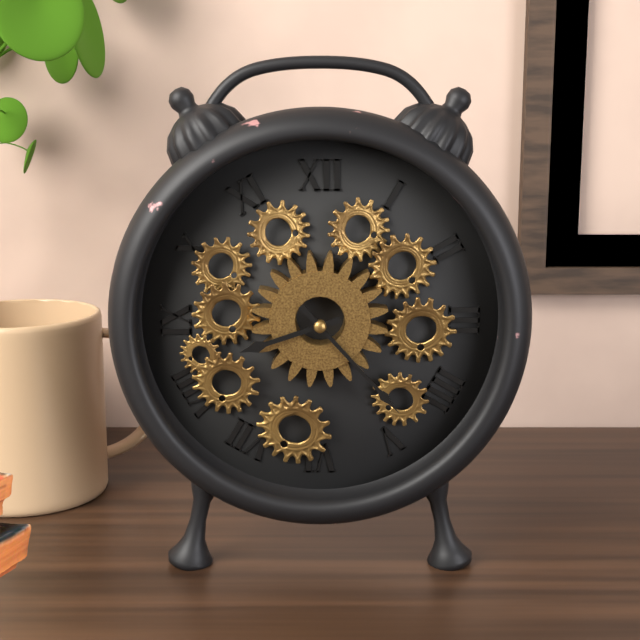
h=8 m=23
